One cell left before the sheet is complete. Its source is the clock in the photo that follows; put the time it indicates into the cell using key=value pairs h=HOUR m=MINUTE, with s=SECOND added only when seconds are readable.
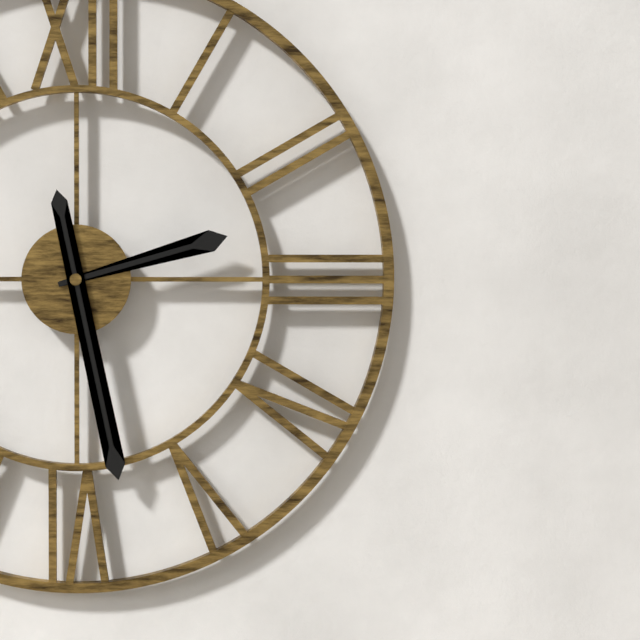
h=2 m=28
